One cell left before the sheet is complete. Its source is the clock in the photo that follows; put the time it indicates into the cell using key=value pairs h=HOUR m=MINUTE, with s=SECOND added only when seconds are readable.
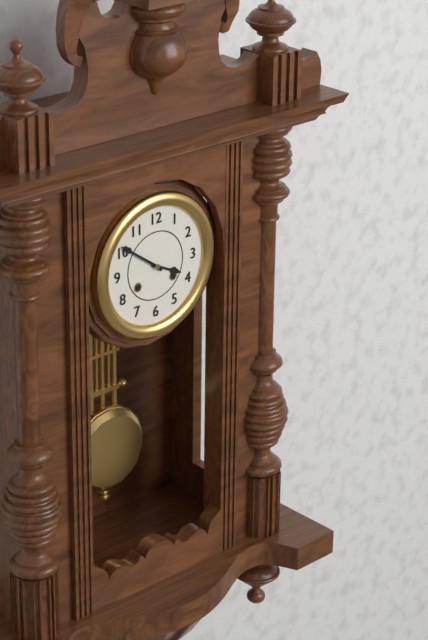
h=3 m=51
